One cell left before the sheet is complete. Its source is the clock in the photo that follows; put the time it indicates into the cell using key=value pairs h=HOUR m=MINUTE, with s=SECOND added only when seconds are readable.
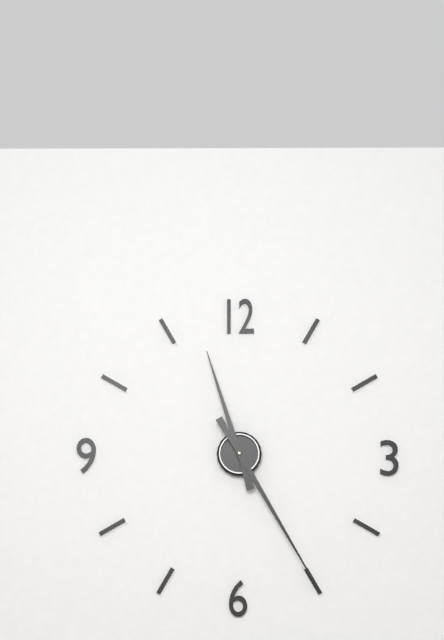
h=11 m=25
